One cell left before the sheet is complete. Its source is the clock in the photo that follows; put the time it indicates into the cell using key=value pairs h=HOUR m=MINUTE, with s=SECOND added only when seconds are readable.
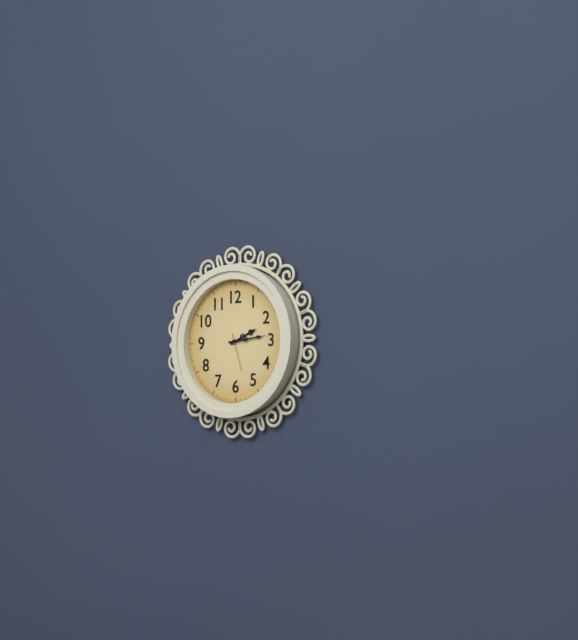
h=2 m=14
